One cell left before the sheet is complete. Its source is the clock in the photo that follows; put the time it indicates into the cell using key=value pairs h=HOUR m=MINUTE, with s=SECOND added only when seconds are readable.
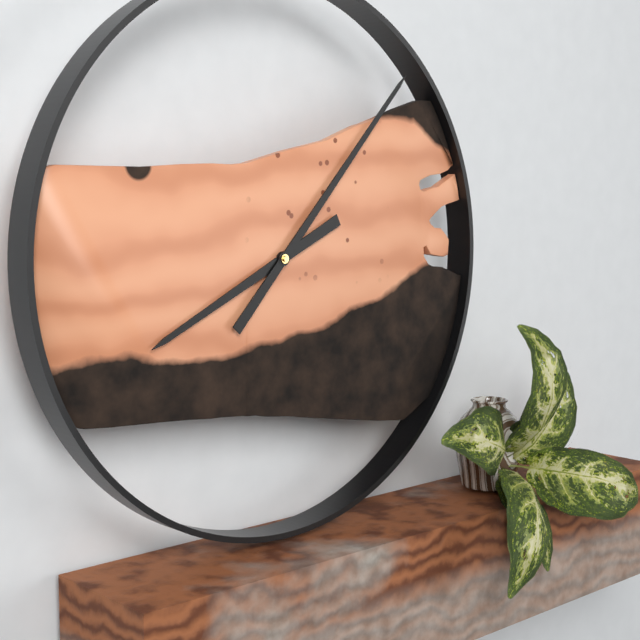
h=8 m=7
